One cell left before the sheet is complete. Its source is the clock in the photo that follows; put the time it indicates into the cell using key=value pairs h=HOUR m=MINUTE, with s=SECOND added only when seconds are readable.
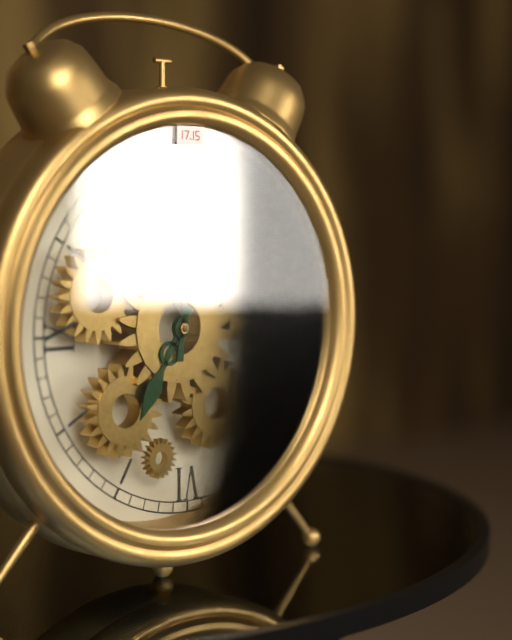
h=7 m=1
